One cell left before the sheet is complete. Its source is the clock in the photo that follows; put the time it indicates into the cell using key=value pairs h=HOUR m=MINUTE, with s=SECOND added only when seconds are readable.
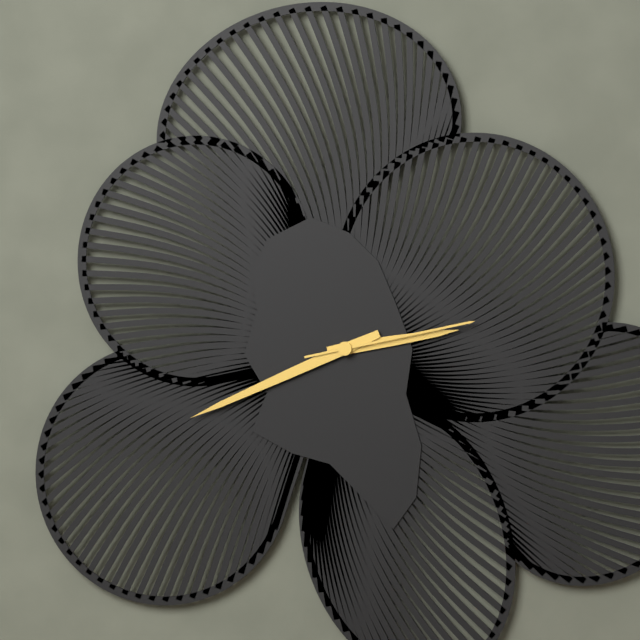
h=2 m=41 s=13
